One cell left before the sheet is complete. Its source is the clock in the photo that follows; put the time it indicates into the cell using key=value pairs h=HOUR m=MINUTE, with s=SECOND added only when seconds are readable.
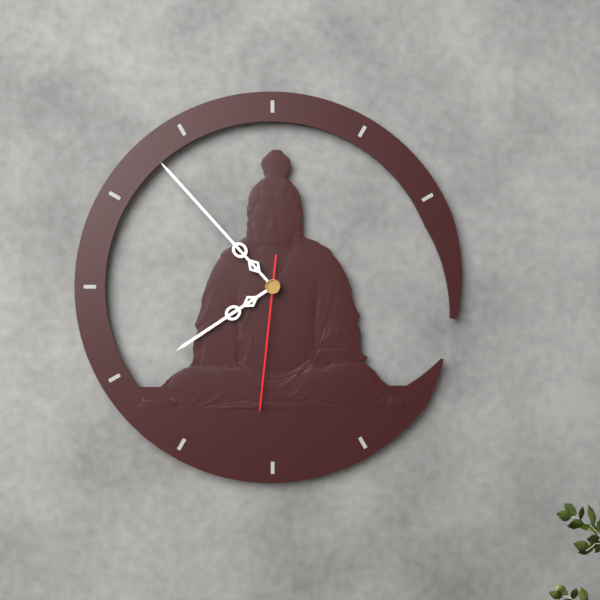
h=7 m=53 s=31
